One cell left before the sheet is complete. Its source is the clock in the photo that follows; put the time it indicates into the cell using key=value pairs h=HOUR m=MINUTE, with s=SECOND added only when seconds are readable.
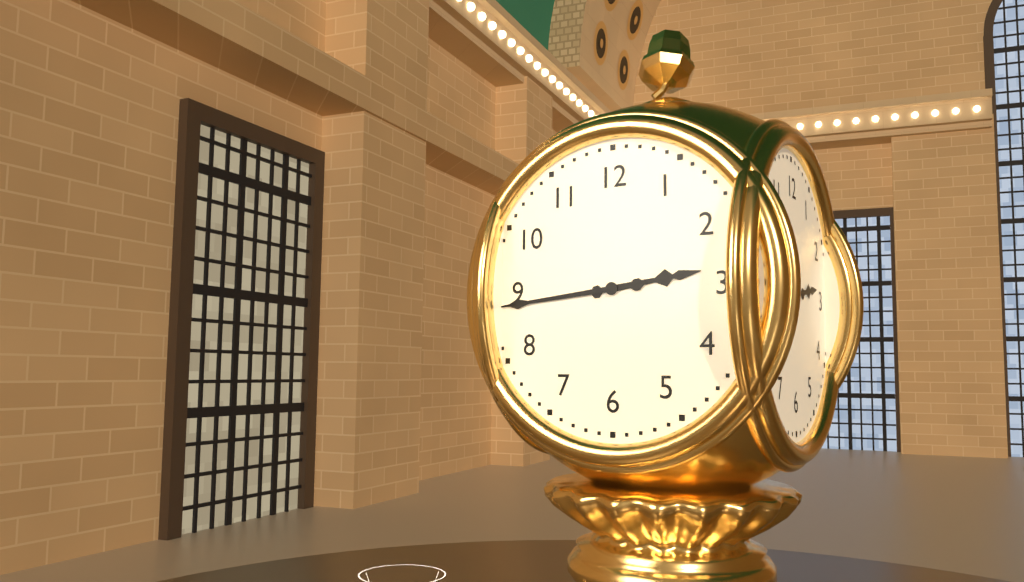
h=2 m=44
